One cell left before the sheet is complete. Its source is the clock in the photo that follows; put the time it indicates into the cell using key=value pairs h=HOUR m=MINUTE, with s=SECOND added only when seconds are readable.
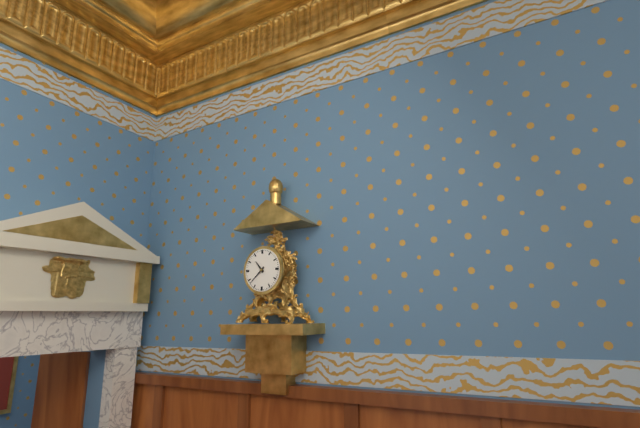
h=10 m=38
